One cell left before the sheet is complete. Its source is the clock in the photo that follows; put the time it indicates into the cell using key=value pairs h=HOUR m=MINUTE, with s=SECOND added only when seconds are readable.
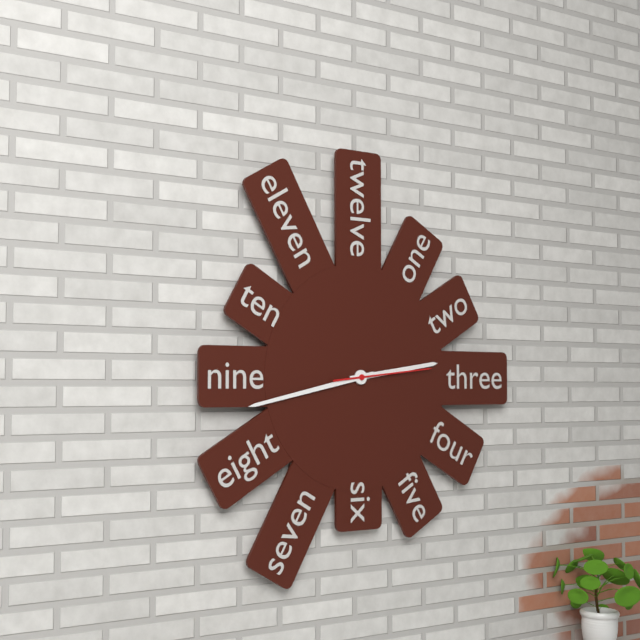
h=2 m=43 s=14
